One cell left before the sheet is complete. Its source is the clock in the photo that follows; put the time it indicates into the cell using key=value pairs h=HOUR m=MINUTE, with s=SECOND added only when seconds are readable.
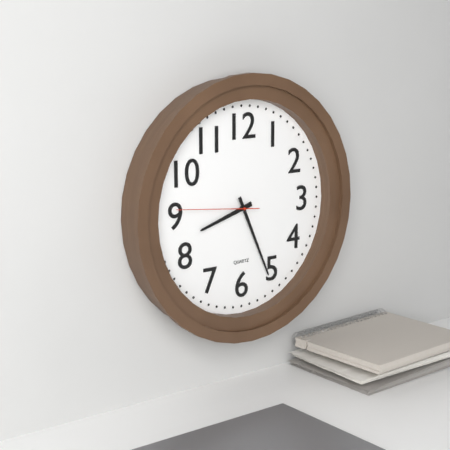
h=8 m=26 s=46
